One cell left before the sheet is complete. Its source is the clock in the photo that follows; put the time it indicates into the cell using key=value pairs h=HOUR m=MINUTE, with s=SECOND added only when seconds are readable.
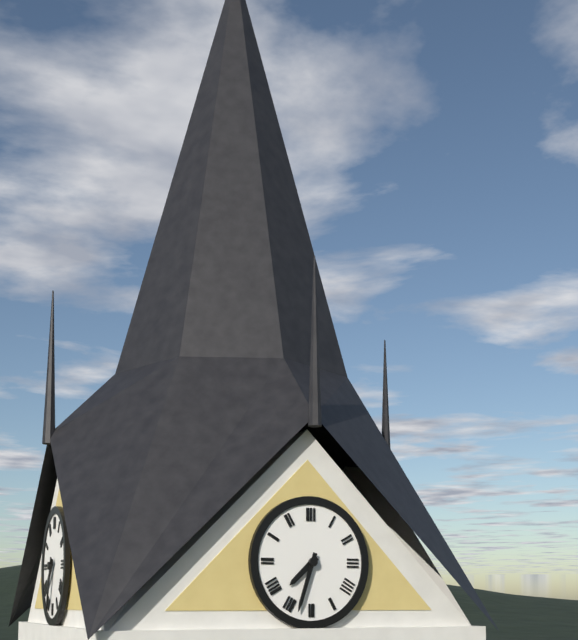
h=7 m=33
